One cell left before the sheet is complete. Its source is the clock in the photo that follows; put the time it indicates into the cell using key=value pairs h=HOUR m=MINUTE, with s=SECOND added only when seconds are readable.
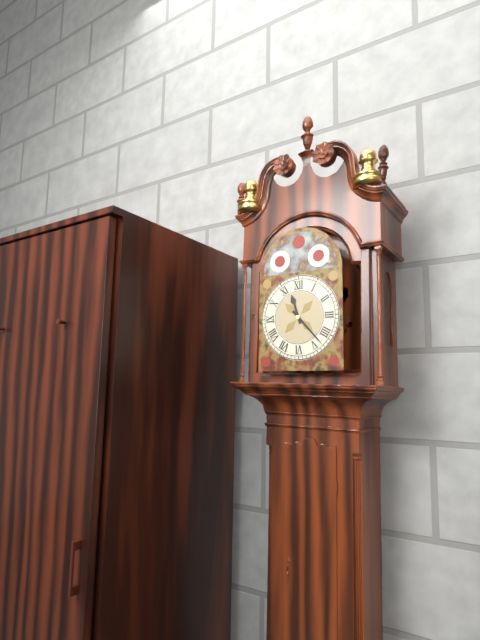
h=11 m=23
